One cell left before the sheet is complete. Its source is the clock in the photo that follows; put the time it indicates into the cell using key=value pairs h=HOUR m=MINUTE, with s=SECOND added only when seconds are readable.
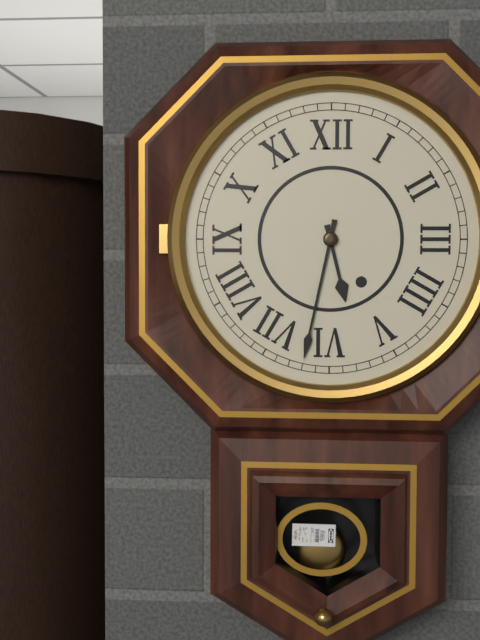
h=5 m=32
